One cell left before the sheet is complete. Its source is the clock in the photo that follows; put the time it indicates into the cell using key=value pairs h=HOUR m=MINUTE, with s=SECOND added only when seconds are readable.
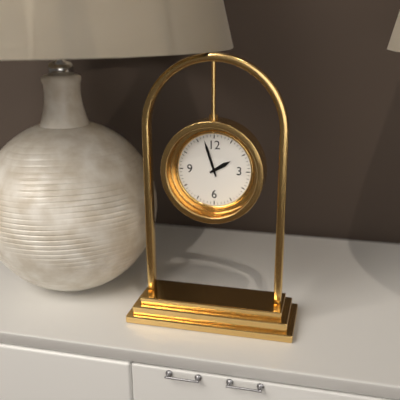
h=1 m=57
